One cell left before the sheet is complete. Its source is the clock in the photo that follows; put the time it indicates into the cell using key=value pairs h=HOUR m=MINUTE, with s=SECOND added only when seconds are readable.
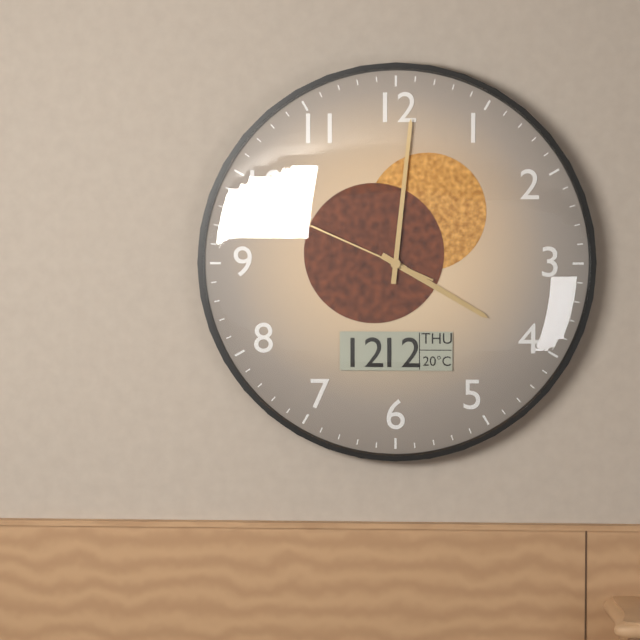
h=4 m=1 s=49
